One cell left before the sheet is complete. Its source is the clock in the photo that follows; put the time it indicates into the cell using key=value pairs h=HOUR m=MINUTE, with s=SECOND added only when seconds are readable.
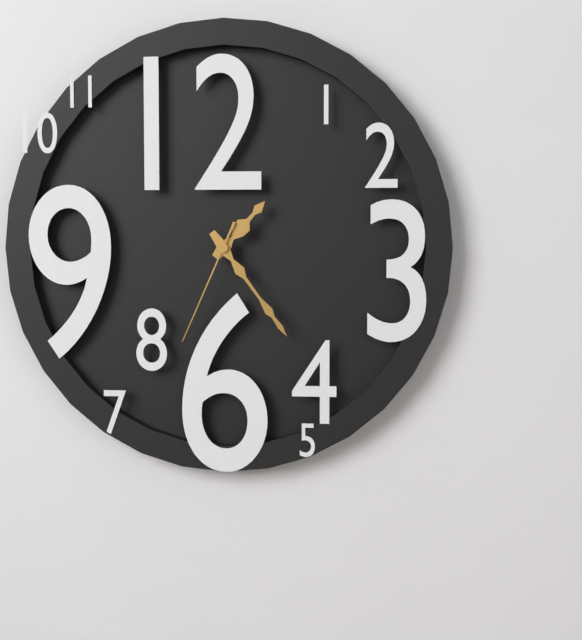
h=1 m=24 s=34
